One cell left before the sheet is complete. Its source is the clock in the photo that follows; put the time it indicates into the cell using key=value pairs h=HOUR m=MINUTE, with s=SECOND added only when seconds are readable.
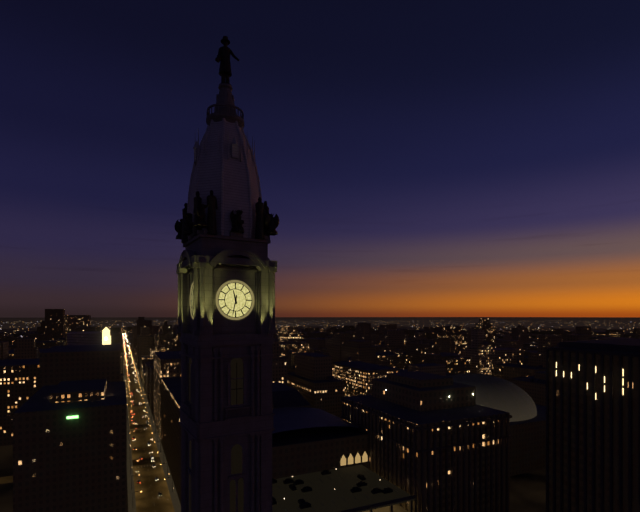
h=11 m=32
